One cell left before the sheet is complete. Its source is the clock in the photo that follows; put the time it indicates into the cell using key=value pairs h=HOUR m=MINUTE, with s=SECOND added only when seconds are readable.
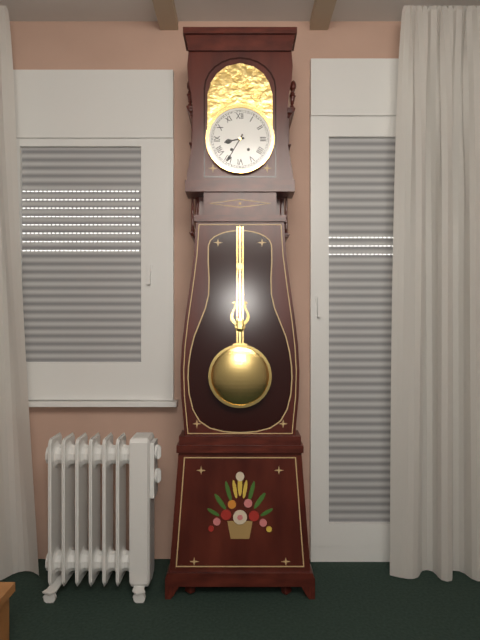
h=8 m=35
